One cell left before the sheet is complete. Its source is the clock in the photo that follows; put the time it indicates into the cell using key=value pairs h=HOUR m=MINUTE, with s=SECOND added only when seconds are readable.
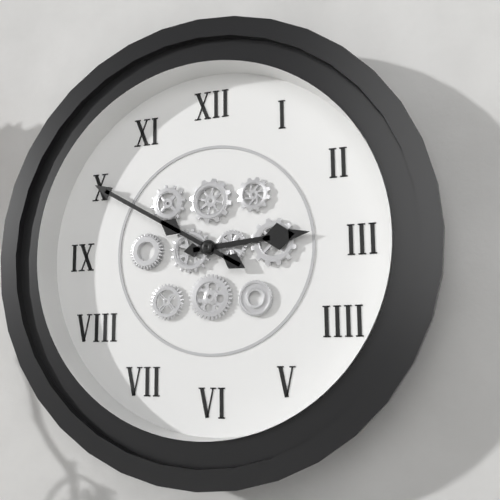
h=2 m=50
